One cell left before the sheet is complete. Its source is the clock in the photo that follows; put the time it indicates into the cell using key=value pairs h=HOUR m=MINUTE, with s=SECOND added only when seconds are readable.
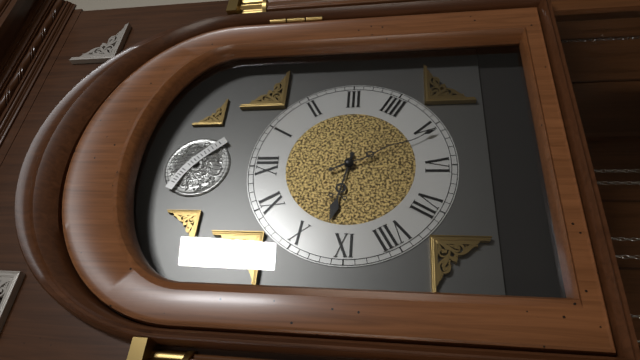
h=9 m=26
